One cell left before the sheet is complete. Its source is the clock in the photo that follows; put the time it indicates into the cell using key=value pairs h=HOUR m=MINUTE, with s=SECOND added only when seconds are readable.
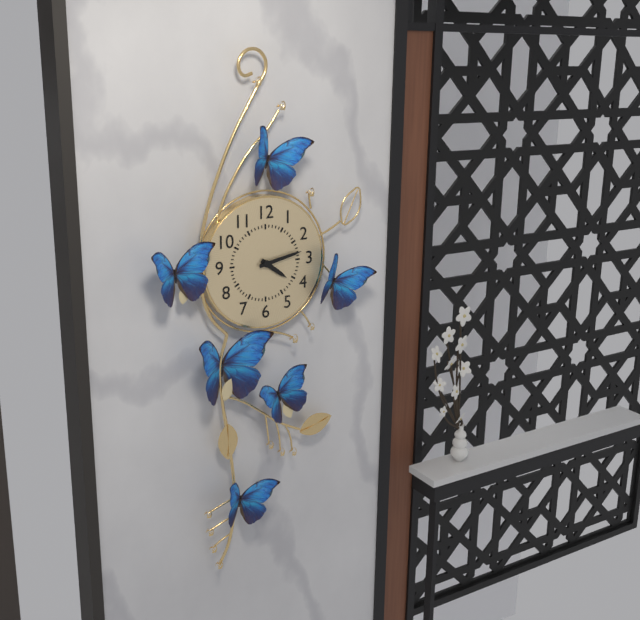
h=4 m=13
